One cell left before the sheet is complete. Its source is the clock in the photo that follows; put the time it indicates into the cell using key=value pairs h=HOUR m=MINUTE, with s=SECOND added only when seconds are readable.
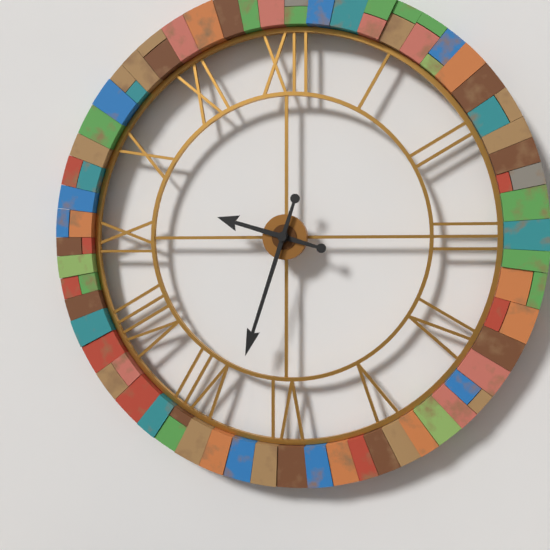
h=9 m=33
